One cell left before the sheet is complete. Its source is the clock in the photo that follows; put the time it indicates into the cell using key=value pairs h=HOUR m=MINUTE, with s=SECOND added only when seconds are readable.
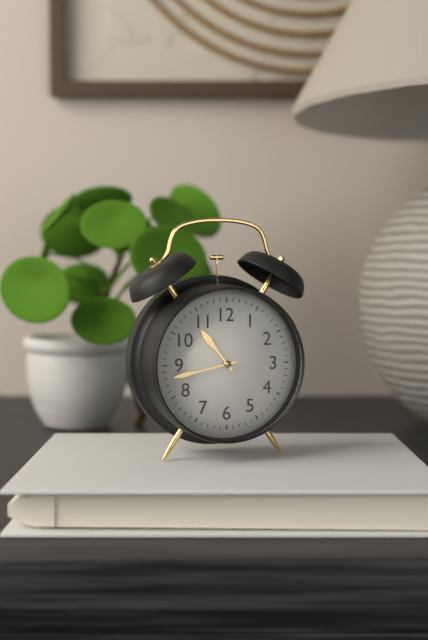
h=10 m=43
